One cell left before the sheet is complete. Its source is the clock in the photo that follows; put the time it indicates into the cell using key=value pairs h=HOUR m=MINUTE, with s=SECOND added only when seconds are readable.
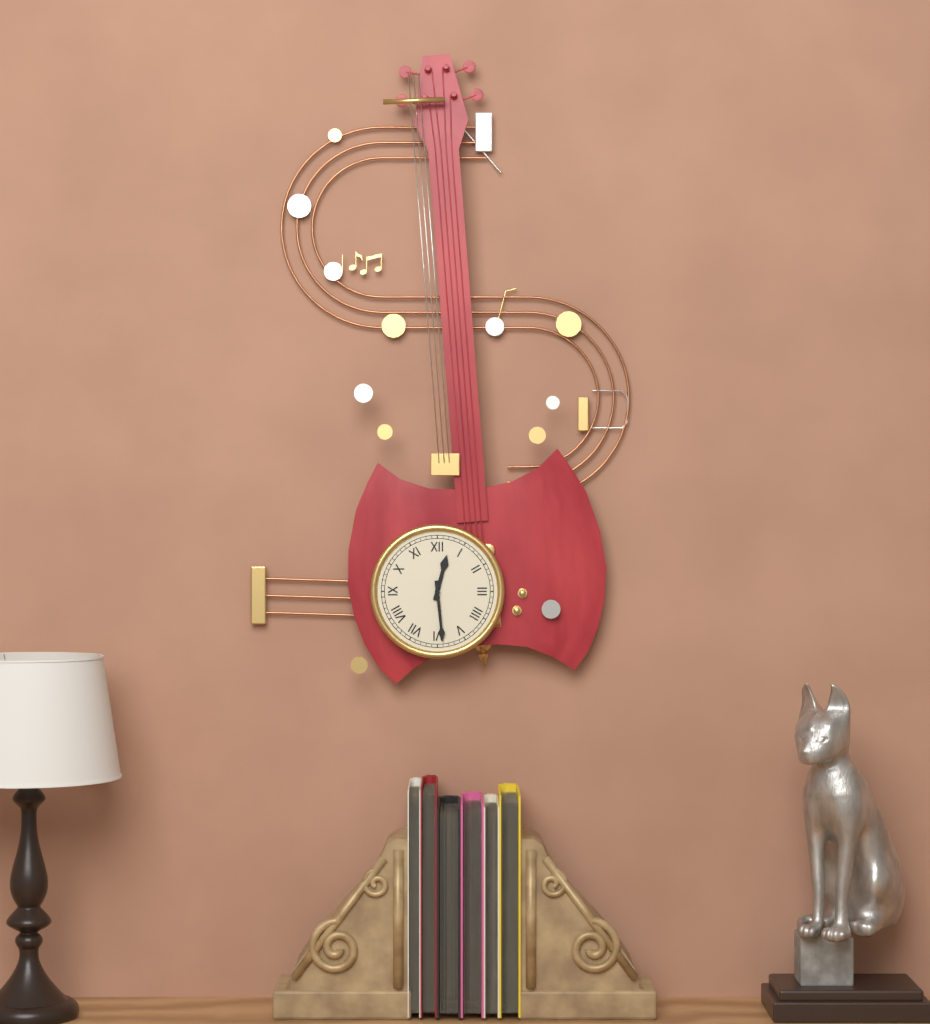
h=12 m=29
